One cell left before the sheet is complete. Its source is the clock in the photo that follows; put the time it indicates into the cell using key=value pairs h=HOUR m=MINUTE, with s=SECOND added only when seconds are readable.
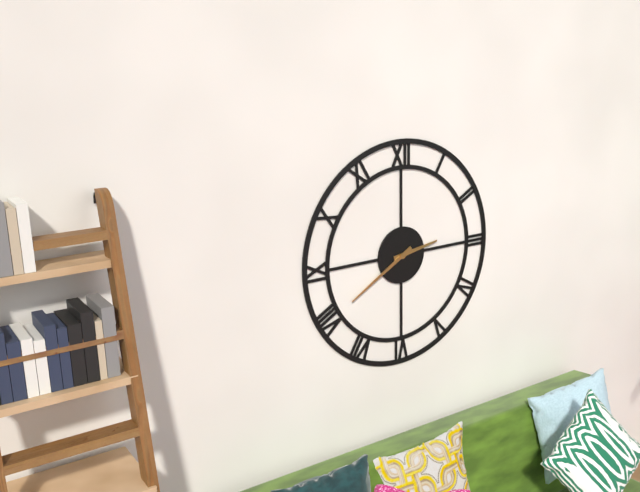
h=2 m=40
